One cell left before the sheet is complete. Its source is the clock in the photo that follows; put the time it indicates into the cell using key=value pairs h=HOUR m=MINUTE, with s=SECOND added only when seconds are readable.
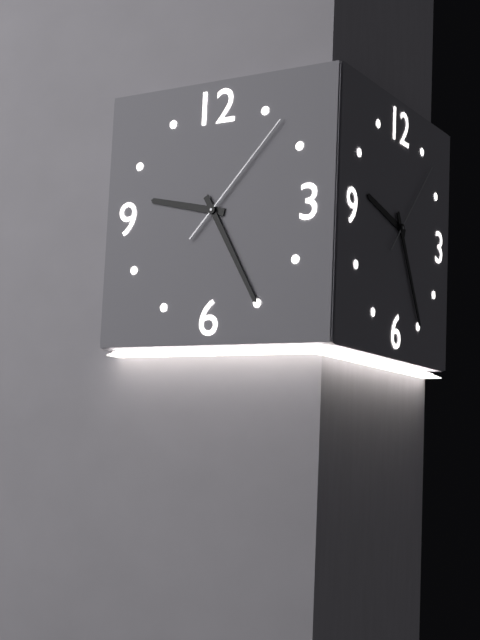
h=9 m=25 s=7
